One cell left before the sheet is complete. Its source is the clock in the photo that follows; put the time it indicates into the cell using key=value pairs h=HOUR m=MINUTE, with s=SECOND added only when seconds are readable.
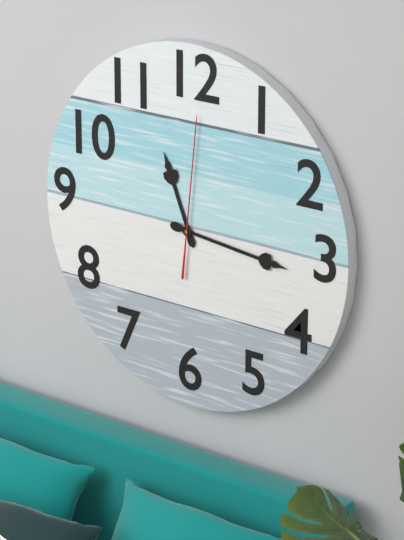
h=11 m=16 s=1
